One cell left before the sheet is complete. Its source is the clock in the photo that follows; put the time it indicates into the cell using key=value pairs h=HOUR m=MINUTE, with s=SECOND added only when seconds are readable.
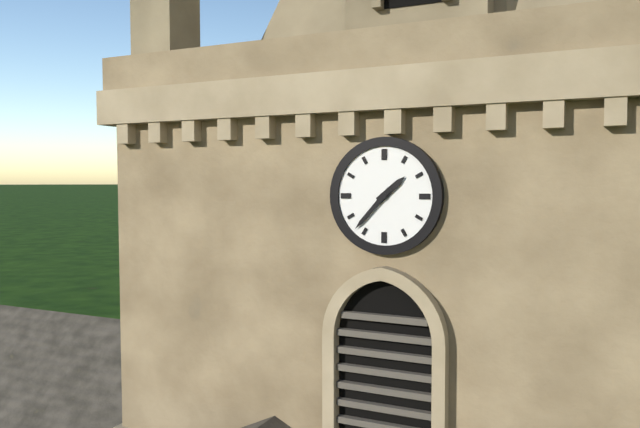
h=1 m=37
